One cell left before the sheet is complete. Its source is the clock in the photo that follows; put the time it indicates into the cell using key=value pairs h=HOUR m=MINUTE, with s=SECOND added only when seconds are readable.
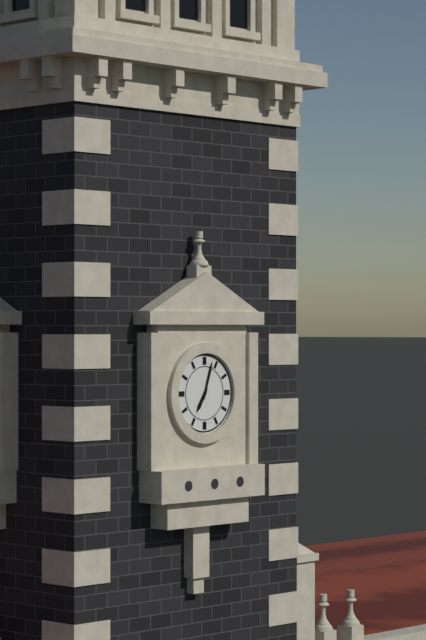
h=7 m=3
